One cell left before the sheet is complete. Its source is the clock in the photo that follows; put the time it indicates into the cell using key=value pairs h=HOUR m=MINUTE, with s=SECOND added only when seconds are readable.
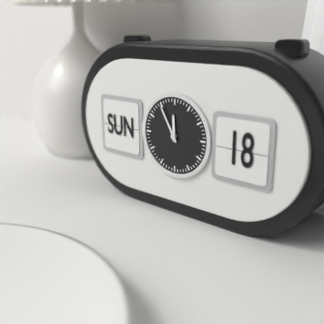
h=11 m=55
